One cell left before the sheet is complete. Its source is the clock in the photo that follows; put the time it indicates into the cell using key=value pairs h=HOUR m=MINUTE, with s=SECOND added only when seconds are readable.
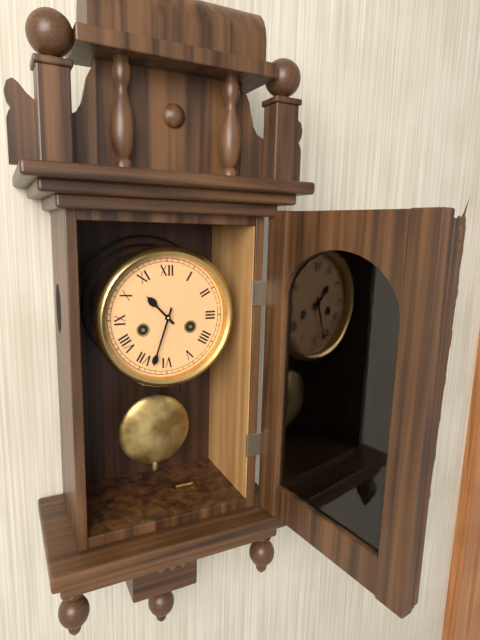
h=10 m=33
